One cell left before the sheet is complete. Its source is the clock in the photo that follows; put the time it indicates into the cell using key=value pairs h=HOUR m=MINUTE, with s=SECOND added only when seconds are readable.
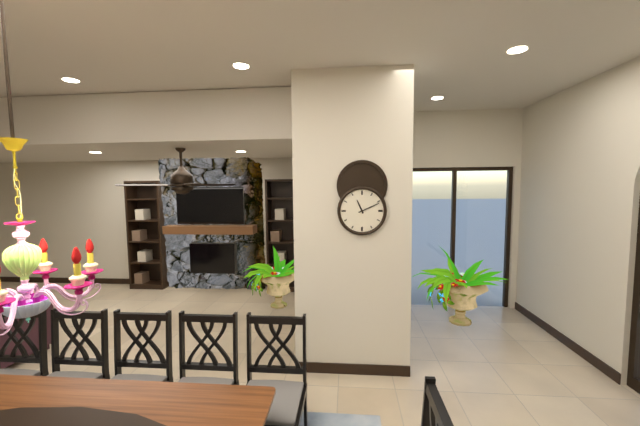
h=11 m=11
